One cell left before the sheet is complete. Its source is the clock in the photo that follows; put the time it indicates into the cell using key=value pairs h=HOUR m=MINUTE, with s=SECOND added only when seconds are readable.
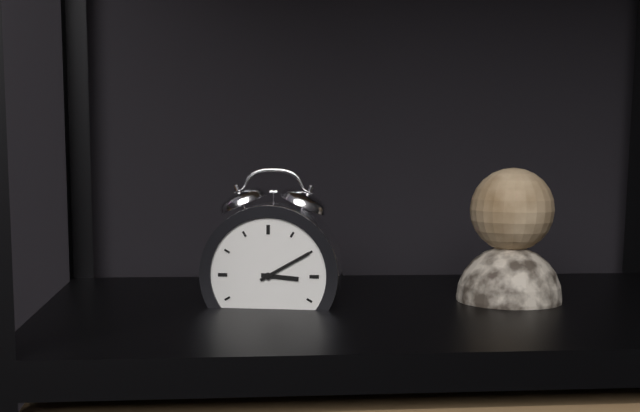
h=3 m=10
